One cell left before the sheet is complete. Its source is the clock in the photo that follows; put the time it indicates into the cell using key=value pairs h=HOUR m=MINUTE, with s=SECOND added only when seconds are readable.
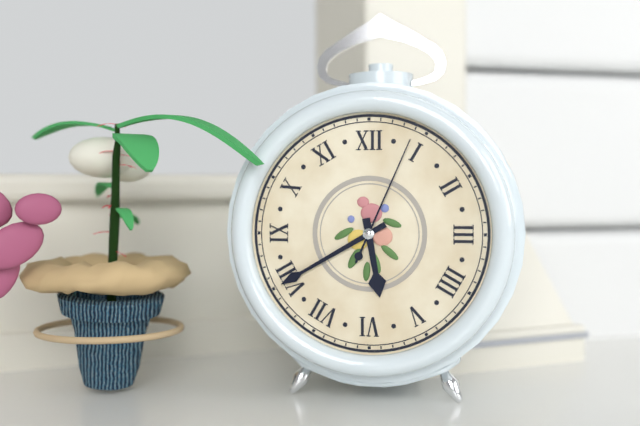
h=5 m=40 s=4
